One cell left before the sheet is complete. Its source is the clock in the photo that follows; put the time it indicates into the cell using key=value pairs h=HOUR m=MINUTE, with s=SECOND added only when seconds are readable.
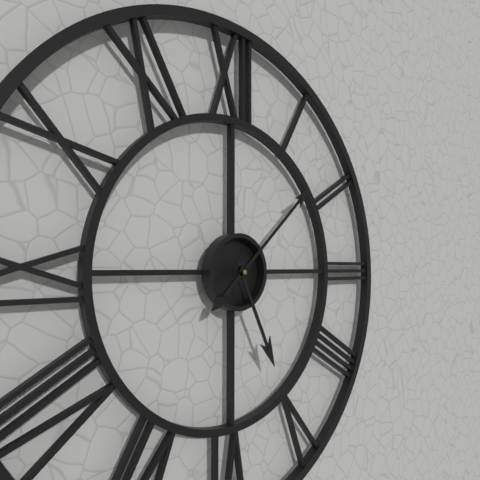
h=5 m=8
